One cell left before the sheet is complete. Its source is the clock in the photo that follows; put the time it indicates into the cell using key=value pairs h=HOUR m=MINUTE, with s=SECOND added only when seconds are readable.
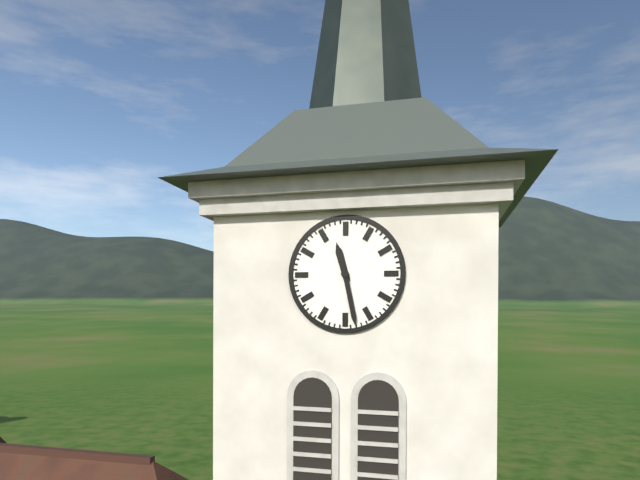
h=11 m=28
